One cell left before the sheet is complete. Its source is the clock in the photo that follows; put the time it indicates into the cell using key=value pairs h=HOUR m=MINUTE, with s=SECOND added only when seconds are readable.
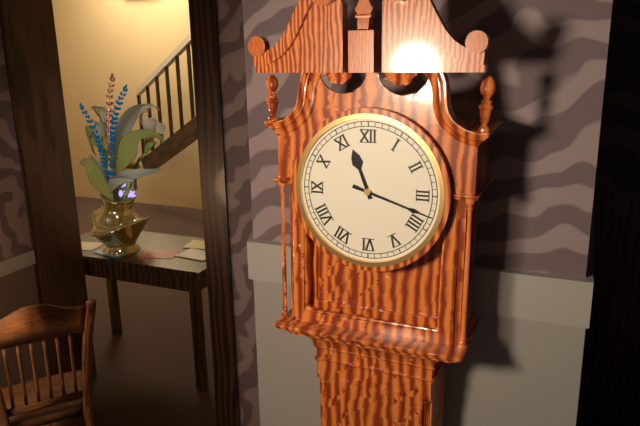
h=11 m=18
